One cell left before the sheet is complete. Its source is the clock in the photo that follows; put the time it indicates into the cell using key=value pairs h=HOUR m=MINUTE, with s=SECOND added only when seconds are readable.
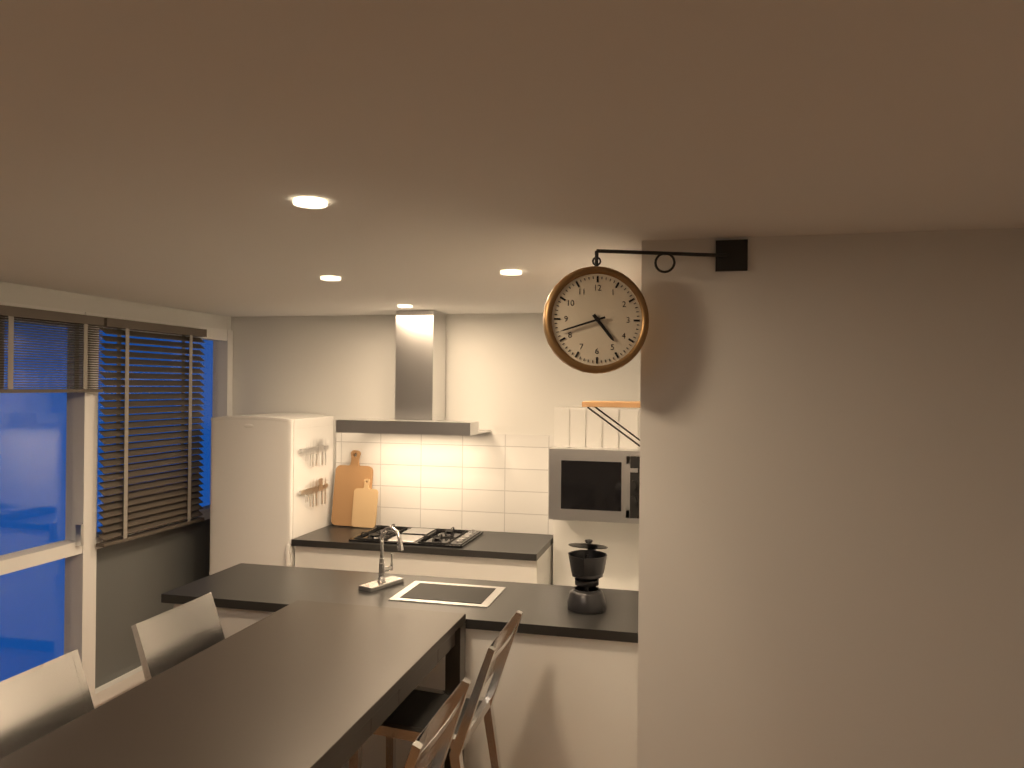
h=4 m=42
